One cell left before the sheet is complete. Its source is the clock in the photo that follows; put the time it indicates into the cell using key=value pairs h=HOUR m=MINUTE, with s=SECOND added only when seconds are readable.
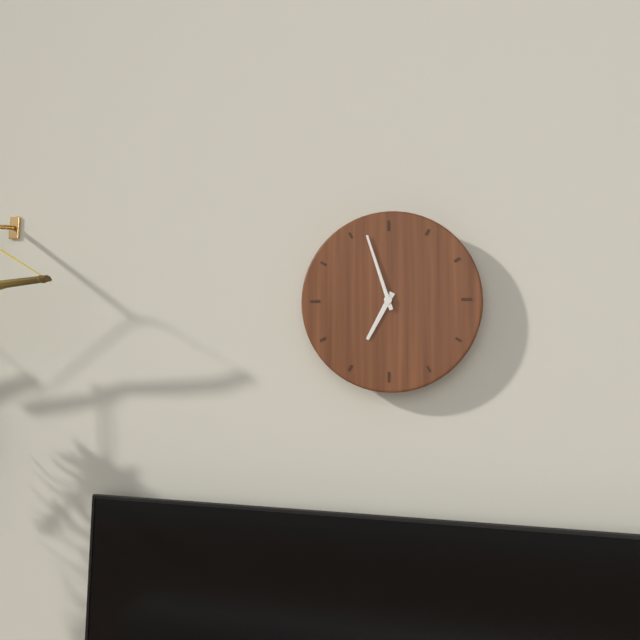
h=6 m=57
